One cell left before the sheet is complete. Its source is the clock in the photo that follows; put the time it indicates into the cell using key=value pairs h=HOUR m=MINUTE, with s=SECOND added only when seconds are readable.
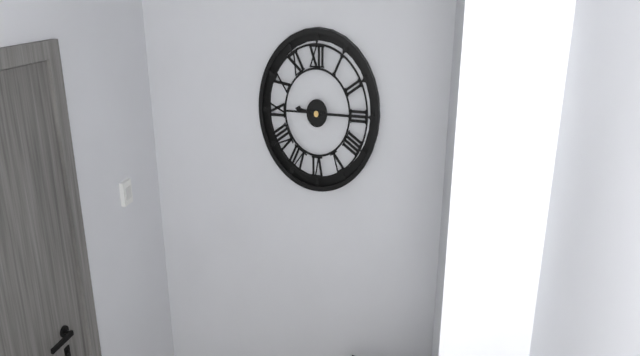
h=9 m=15
